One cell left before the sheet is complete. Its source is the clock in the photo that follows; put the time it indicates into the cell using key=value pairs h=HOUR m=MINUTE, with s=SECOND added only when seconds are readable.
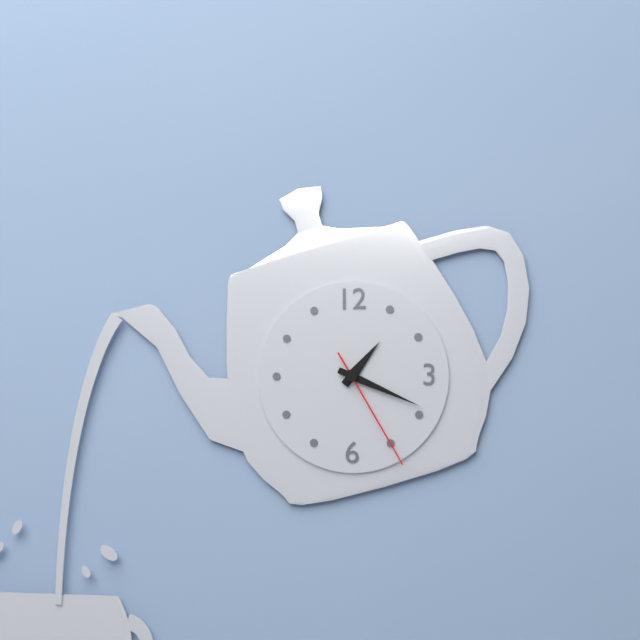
h=1 m=19 s=25
